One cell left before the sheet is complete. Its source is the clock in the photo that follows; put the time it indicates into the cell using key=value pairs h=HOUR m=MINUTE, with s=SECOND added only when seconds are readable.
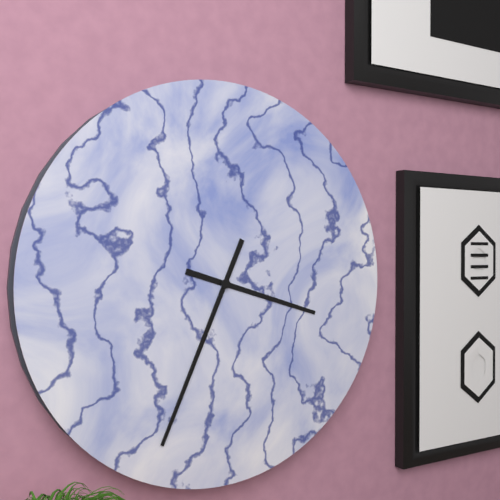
h=3 m=34
